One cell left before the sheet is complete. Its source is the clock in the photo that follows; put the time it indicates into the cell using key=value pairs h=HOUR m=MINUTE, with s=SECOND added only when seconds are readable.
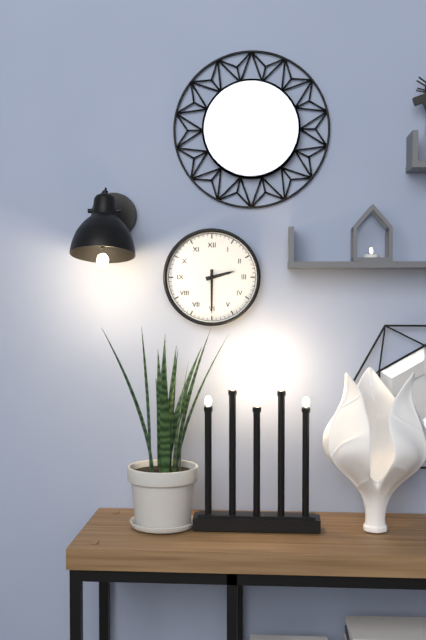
h=2 m=30
